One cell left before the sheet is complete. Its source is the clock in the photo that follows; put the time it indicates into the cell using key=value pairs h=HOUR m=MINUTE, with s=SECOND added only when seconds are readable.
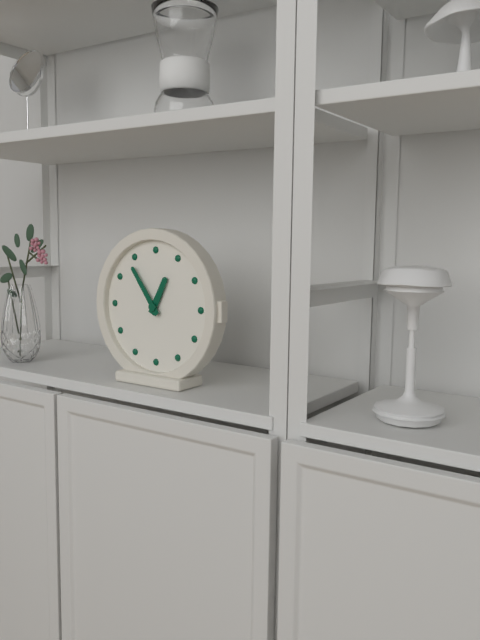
h=12 m=54
